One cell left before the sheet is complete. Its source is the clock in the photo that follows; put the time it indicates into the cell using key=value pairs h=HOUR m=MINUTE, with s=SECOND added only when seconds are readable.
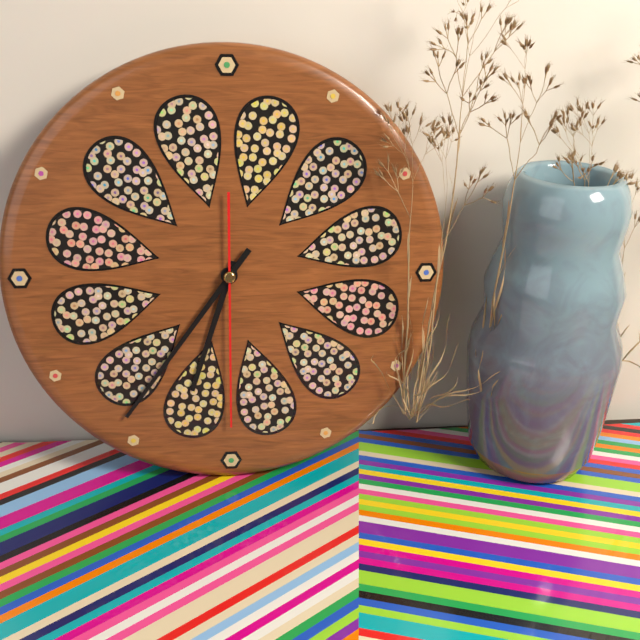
h=6 m=36 s=30
